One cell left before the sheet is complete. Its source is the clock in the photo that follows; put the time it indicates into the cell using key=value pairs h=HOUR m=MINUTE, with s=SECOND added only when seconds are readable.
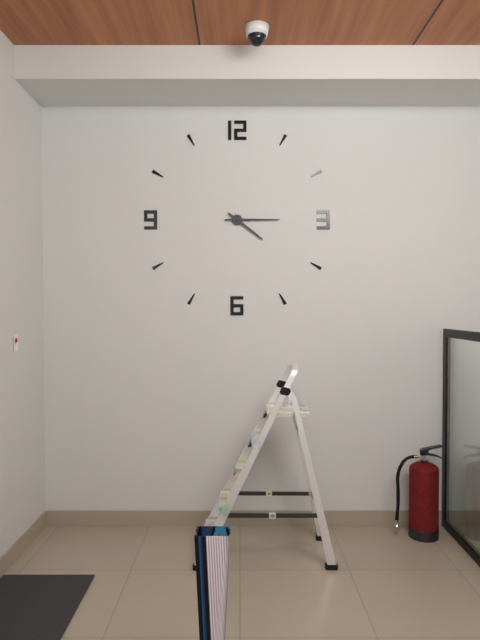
h=4 m=15
